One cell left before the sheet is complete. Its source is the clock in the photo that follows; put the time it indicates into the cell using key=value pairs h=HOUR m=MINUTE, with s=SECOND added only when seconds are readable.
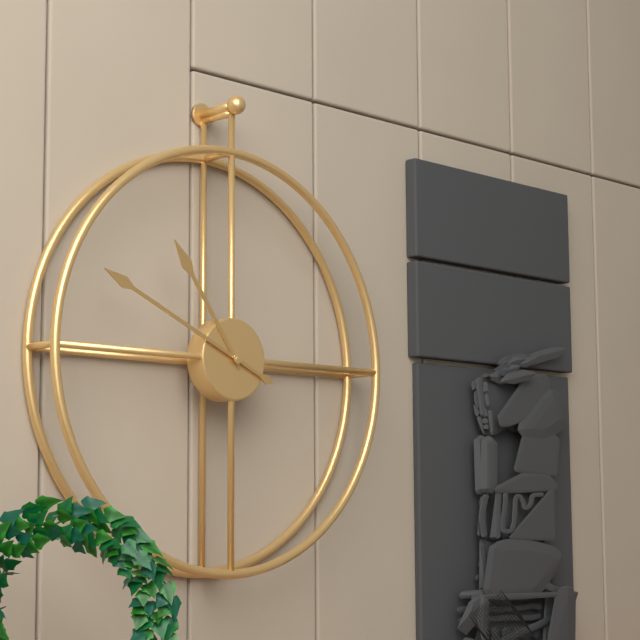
h=10 m=49
